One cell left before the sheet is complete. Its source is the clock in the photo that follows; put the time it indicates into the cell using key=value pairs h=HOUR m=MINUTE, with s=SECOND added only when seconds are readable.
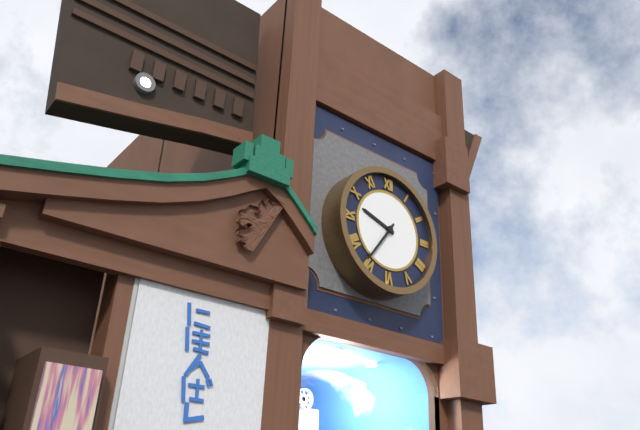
h=9 m=36
